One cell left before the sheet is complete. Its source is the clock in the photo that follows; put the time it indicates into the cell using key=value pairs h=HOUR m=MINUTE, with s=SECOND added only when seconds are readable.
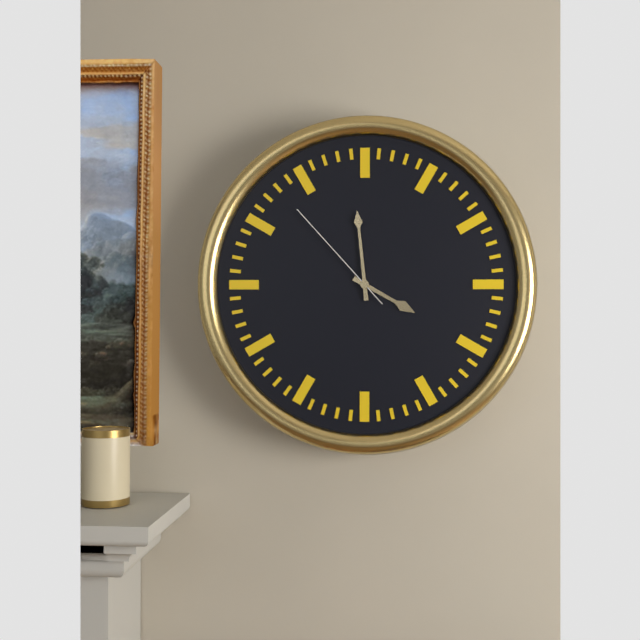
h=3 m=59 s=53
